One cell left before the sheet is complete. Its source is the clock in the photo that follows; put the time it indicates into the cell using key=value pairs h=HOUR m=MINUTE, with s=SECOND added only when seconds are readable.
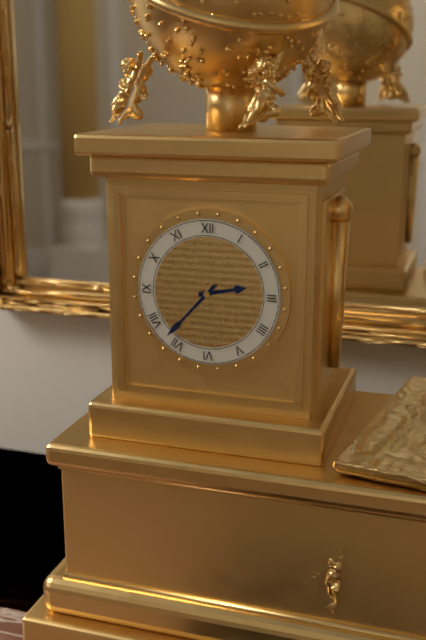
h=2 m=37
